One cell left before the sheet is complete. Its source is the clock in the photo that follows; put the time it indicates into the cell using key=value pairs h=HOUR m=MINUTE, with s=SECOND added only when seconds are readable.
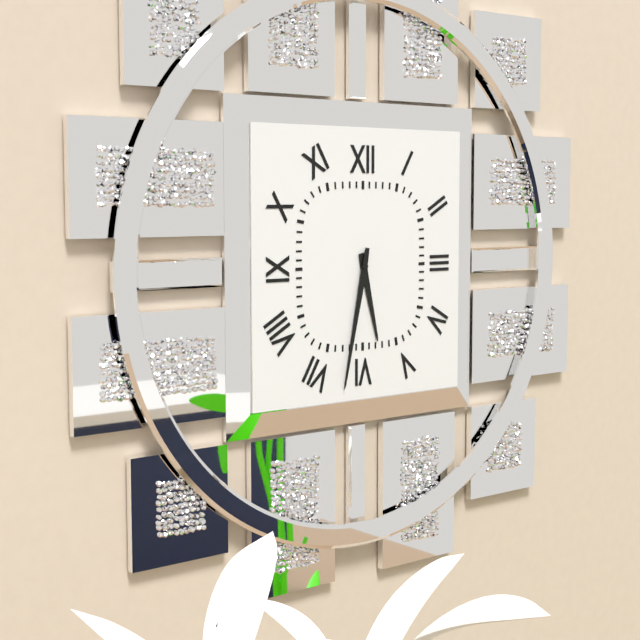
h=5 m=32
